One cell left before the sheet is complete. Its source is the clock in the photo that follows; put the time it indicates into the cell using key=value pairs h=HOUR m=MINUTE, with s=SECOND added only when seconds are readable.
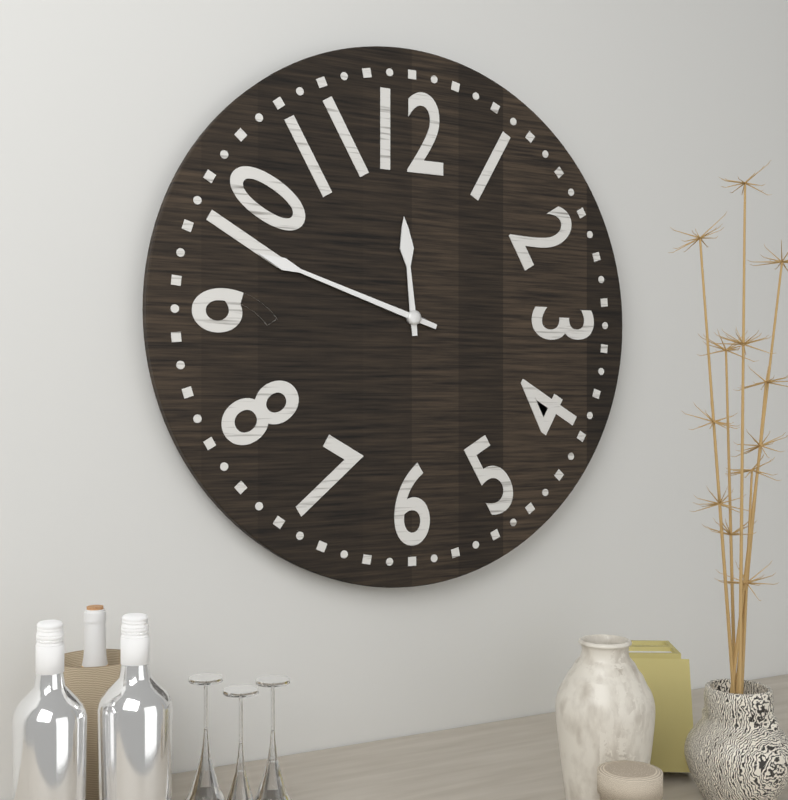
h=11 m=48
